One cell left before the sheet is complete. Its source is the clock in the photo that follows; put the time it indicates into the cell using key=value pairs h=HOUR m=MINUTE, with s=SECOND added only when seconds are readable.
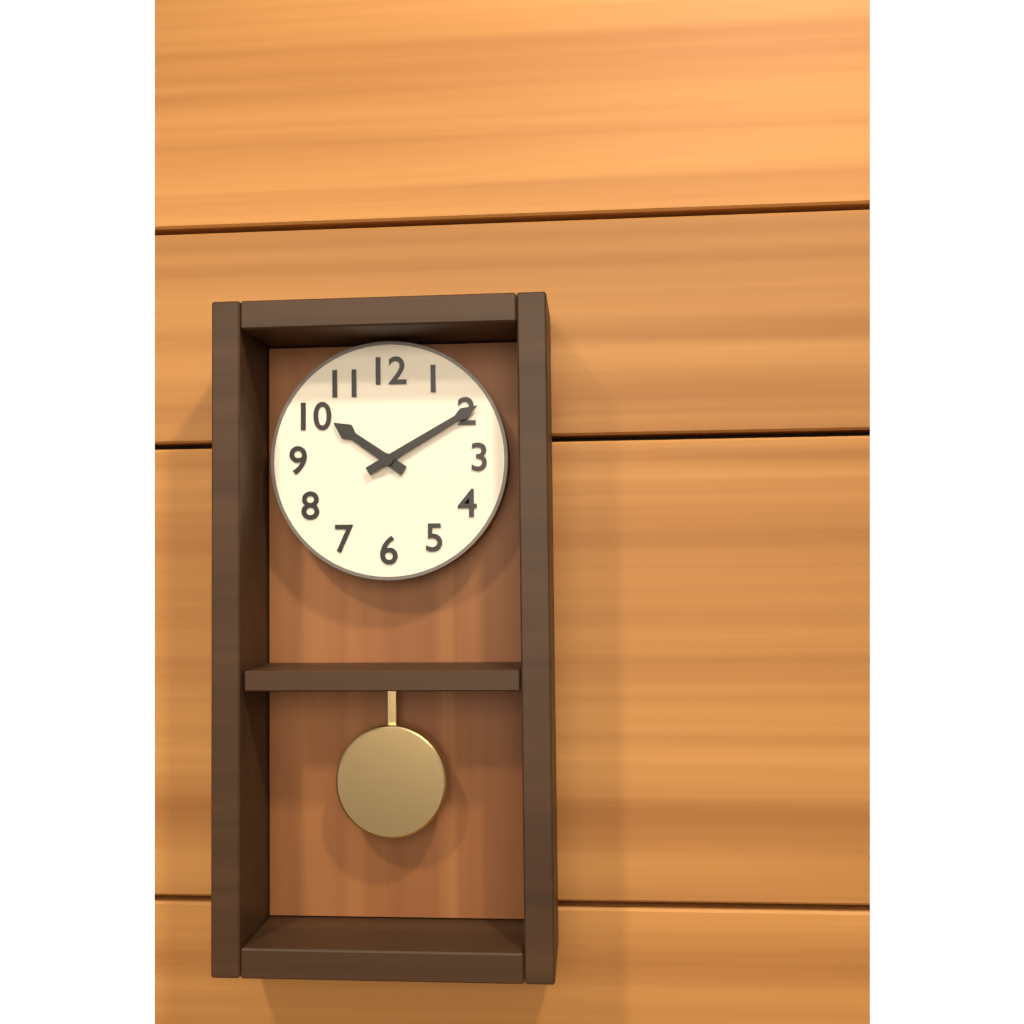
h=10 m=10
